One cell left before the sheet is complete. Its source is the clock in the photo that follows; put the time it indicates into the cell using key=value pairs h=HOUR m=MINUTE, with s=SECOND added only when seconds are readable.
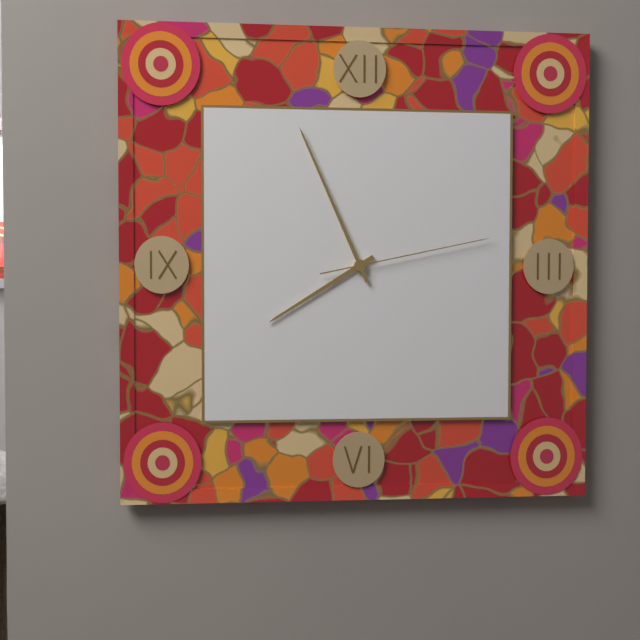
h=7 m=56 s=13
